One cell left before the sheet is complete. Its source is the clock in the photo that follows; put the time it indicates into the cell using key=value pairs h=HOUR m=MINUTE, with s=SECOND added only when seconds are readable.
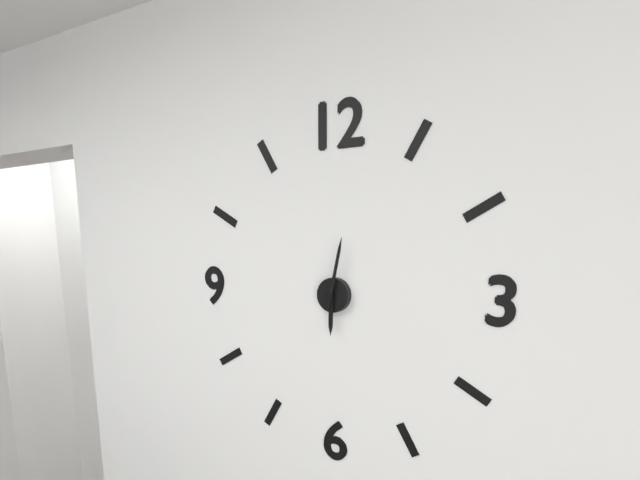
h=6 m=2
